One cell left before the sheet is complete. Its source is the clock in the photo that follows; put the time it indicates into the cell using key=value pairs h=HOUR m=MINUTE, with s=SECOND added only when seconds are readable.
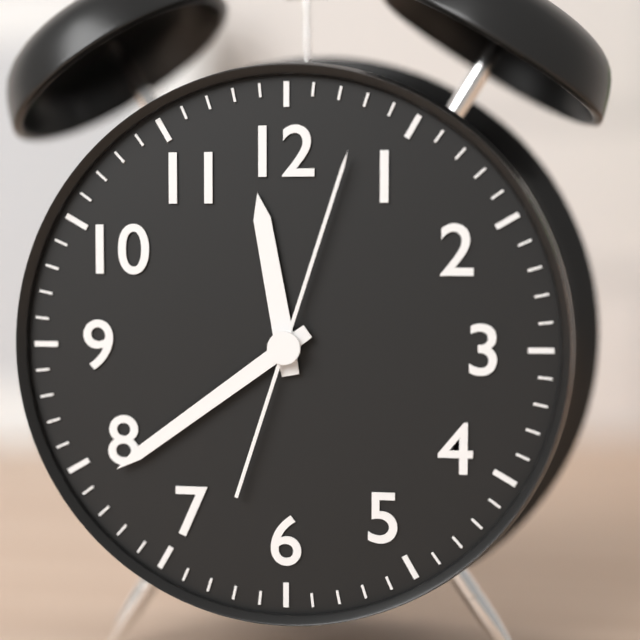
h=11 m=39 s=3
